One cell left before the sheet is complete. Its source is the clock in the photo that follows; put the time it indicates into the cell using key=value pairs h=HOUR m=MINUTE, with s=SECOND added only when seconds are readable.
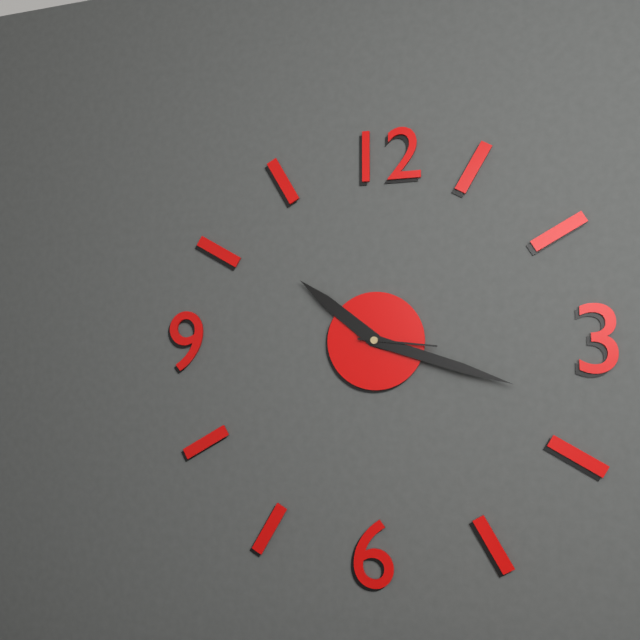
h=10 m=18 s=16
